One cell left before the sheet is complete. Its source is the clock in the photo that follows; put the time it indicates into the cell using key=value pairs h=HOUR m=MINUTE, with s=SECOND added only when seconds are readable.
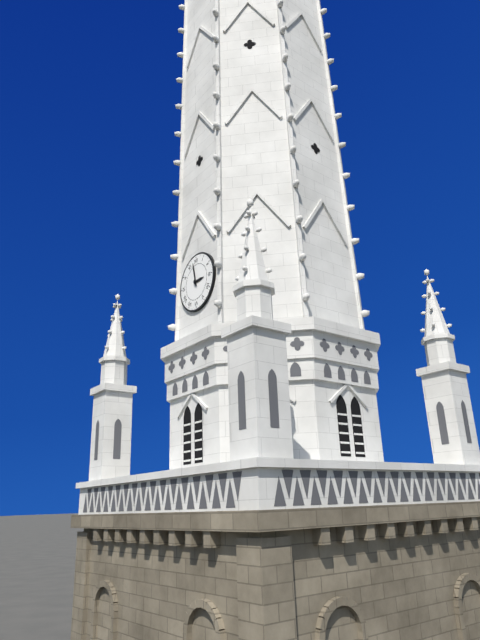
h=2 m=58
